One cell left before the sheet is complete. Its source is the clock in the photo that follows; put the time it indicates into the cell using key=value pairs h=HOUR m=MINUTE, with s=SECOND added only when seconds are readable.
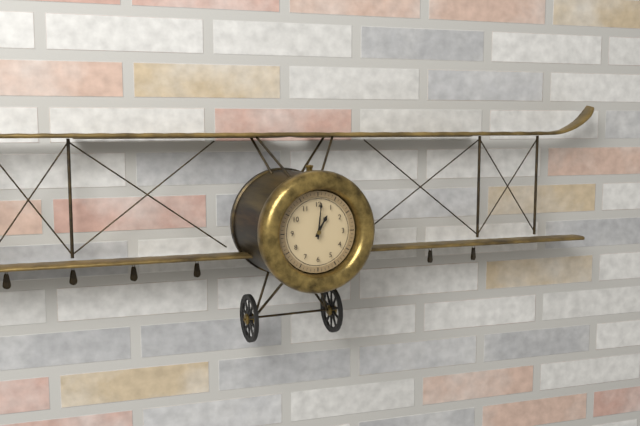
h=1 m=1
